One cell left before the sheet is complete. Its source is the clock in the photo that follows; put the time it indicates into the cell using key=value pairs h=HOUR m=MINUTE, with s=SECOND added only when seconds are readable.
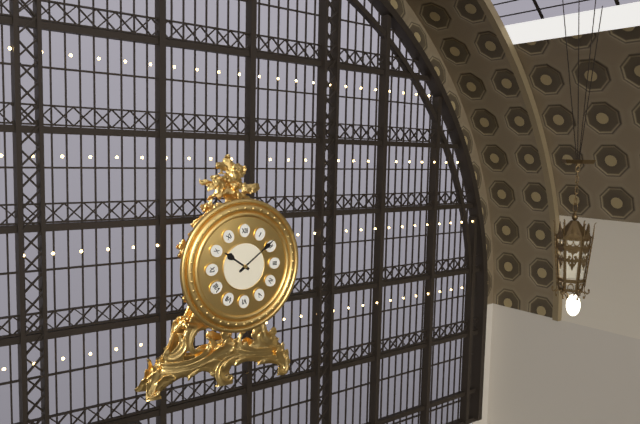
h=10 m=9
